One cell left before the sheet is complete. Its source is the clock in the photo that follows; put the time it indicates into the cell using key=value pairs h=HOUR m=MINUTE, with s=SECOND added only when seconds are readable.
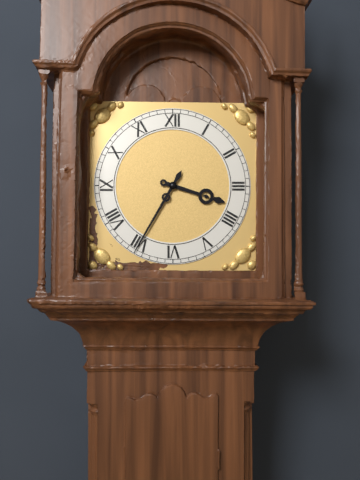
h=3 m=35
